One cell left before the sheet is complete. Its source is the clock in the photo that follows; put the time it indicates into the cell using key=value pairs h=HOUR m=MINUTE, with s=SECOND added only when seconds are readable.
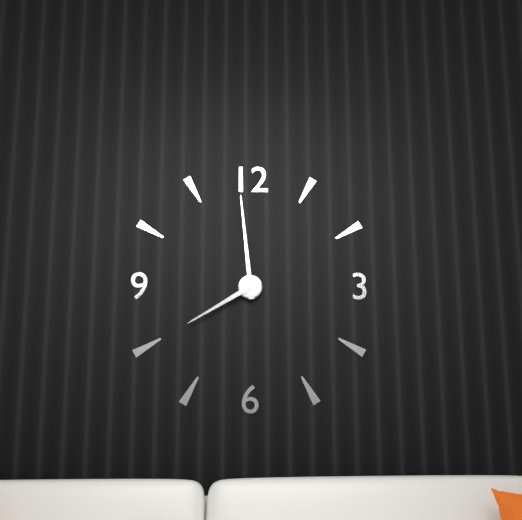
h=7 m=59
